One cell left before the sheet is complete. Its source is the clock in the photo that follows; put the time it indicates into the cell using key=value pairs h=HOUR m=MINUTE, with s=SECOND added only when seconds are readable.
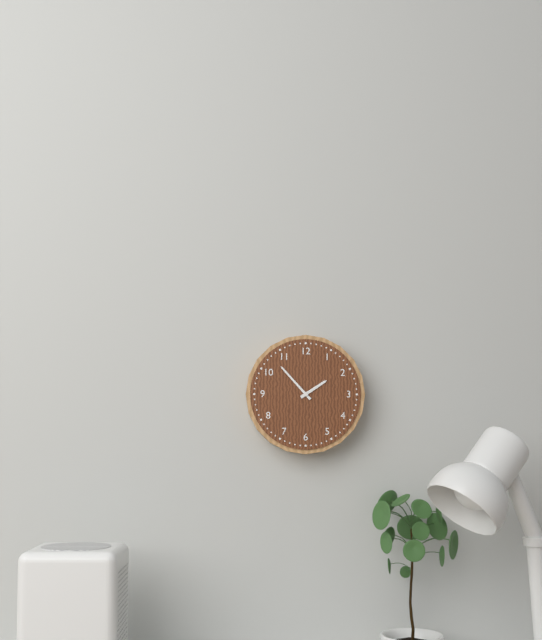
h=1 m=53
